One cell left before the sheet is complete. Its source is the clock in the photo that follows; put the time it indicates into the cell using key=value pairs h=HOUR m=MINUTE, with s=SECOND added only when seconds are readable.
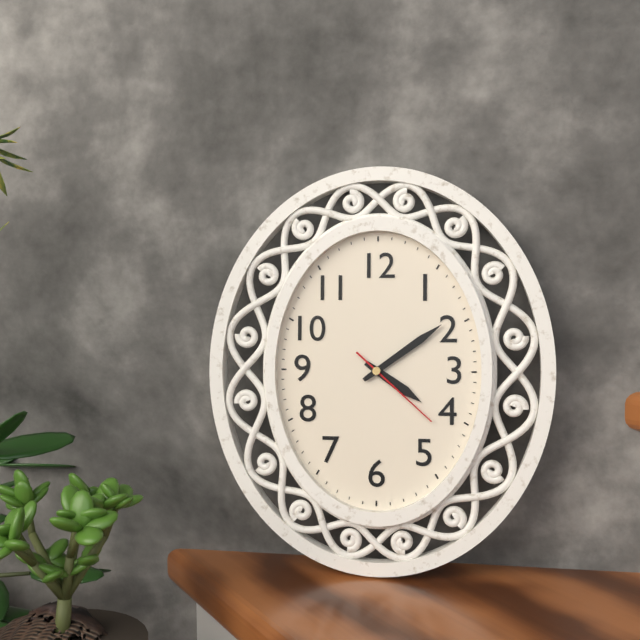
h=4 m=9 s=22
